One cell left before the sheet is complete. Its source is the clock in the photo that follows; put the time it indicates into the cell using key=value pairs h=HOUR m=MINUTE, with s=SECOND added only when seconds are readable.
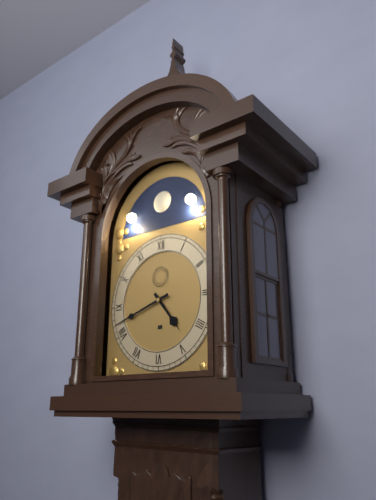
h=4 m=42
